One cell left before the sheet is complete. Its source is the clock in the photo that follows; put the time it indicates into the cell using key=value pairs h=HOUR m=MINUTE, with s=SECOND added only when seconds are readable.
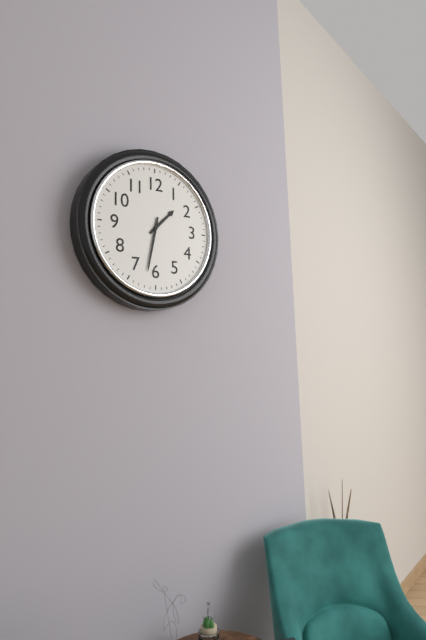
h=1 m=32
